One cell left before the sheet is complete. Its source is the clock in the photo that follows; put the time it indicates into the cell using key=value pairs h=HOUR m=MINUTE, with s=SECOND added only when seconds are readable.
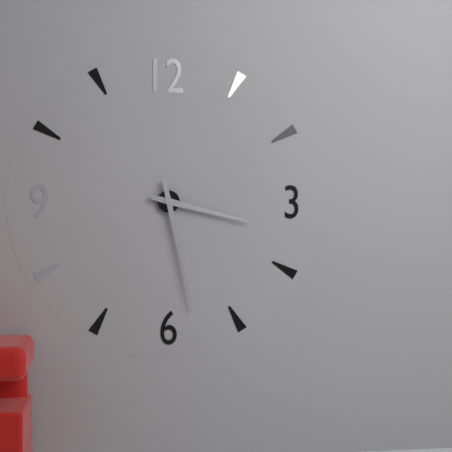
h=3 m=28
